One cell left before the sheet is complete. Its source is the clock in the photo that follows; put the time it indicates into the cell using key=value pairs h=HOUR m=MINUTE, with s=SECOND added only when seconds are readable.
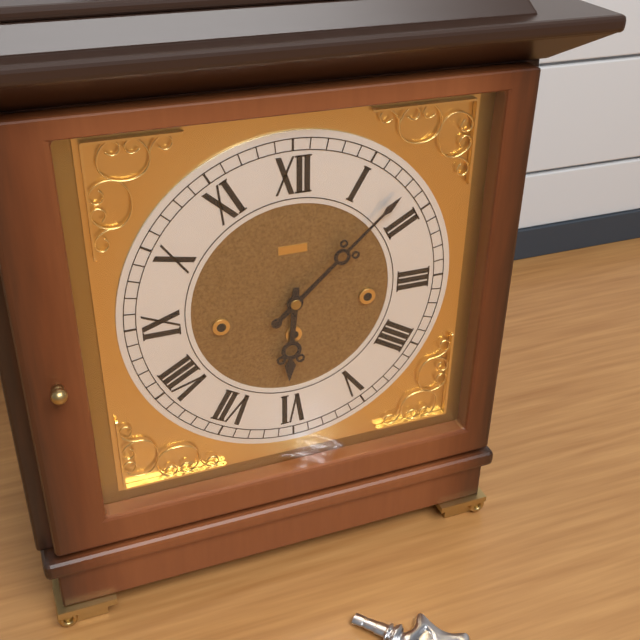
h=6 m=8
